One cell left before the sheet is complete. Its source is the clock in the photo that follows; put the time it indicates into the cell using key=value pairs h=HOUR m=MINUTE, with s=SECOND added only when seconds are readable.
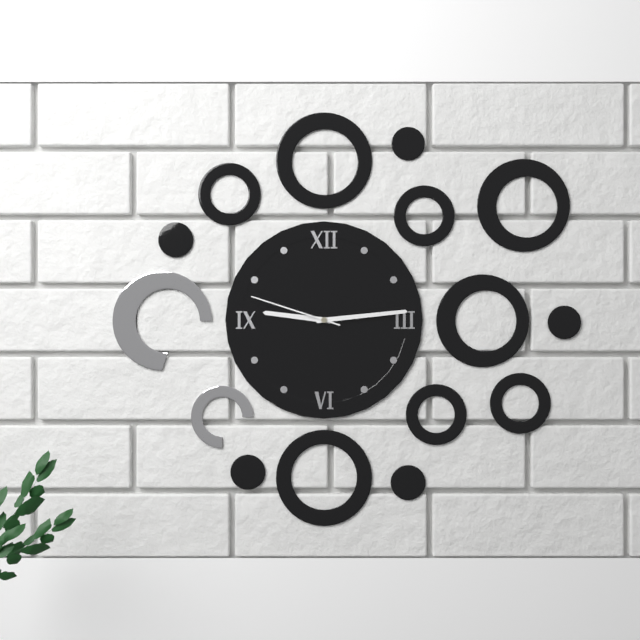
h=9 m=14 s=48
